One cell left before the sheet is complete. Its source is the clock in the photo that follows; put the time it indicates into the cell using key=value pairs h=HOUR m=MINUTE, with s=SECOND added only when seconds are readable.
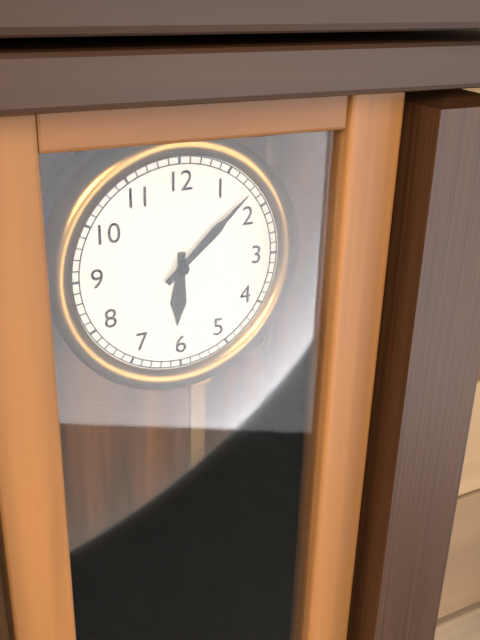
h=6 m=8
